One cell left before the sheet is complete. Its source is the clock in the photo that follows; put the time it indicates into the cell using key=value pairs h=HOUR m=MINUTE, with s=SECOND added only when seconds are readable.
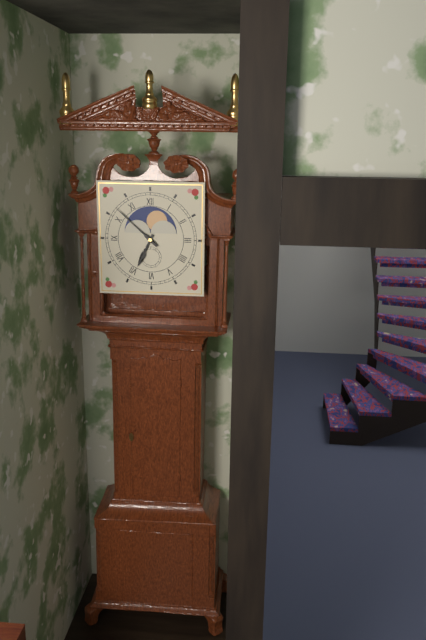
h=6 m=52
